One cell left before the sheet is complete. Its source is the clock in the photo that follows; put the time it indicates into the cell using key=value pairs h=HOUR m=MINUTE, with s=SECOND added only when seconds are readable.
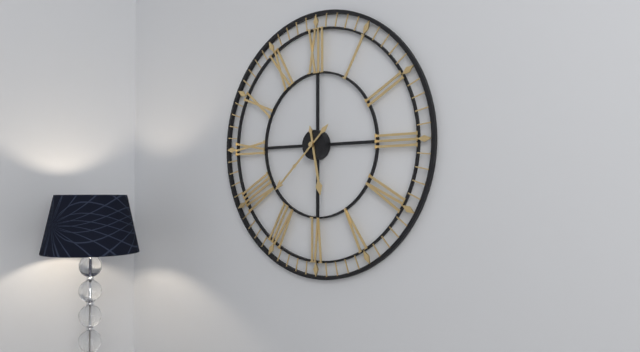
h=5 m=38
